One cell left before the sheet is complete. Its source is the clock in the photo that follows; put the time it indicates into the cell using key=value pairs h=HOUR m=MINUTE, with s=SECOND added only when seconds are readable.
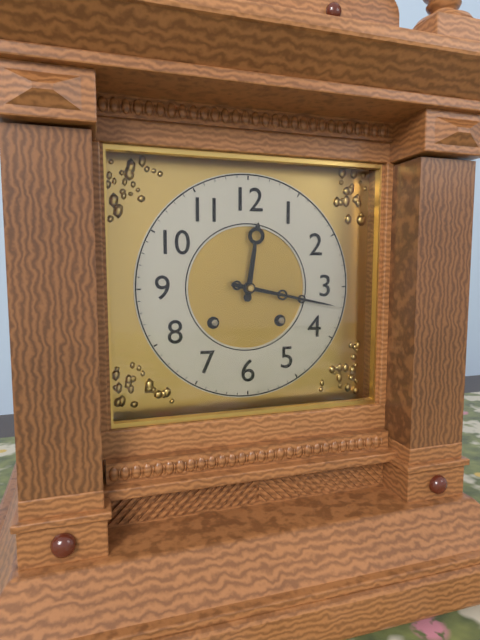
h=12 m=17
